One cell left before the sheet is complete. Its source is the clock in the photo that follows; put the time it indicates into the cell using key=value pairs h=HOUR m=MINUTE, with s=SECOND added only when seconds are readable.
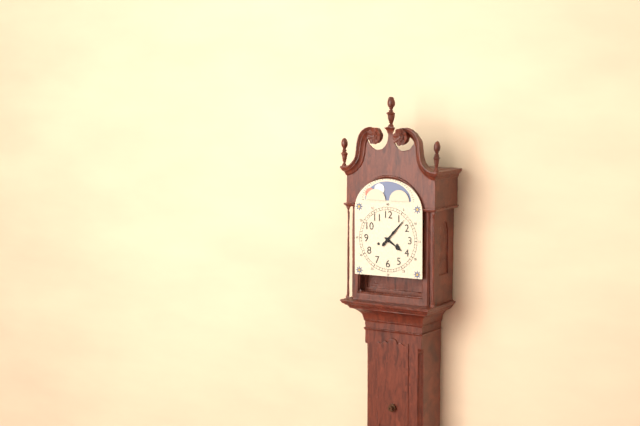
h=4 m=7
